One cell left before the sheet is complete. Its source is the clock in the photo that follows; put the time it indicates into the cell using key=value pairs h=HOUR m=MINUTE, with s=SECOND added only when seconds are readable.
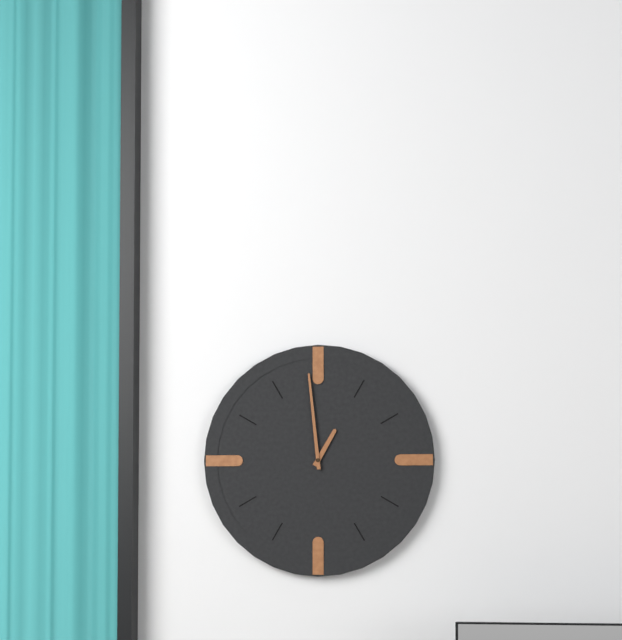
h=12 m=59
